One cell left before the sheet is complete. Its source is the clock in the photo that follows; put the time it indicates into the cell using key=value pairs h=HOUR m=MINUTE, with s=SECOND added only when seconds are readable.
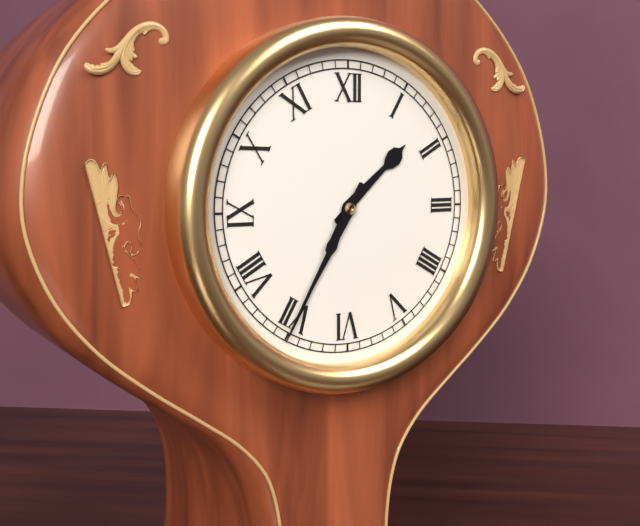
h=1 m=35
